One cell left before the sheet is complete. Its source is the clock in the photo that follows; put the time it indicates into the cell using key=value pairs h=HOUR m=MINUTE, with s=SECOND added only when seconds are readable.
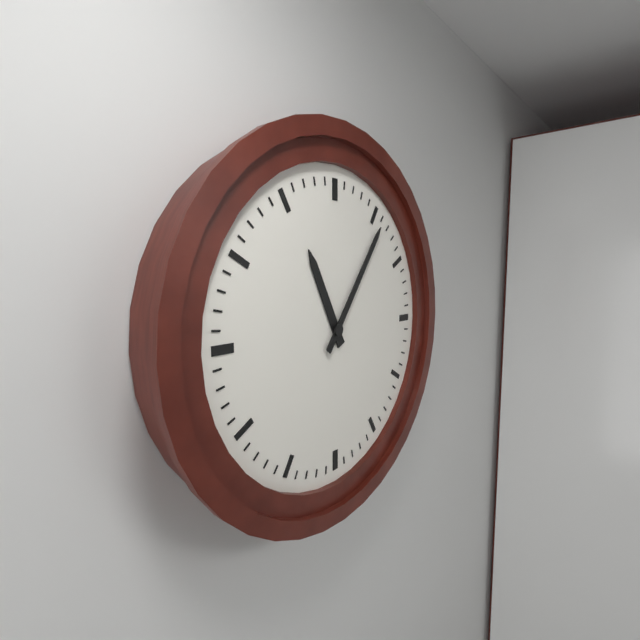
h=11 m=6
